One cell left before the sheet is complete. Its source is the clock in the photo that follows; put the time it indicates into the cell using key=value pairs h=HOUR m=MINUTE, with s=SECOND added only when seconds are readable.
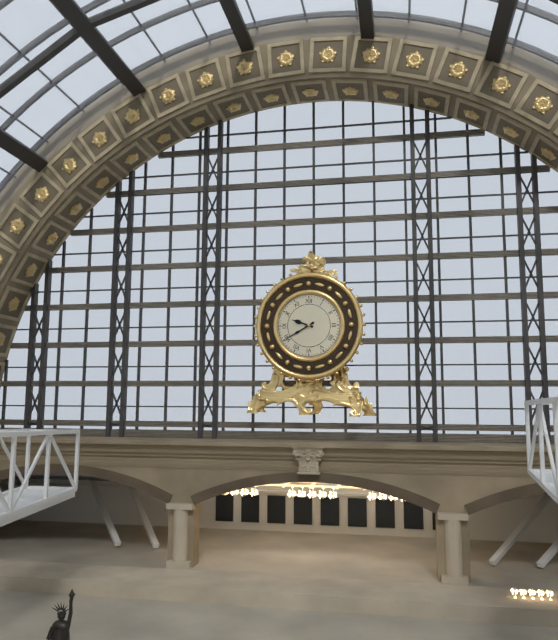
h=9 m=40
